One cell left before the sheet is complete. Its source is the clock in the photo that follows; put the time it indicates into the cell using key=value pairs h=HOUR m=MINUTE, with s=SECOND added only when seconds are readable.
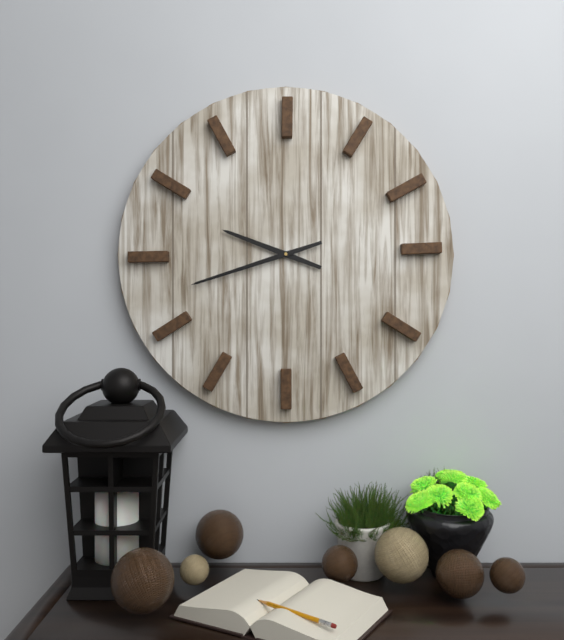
h=9 m=42
